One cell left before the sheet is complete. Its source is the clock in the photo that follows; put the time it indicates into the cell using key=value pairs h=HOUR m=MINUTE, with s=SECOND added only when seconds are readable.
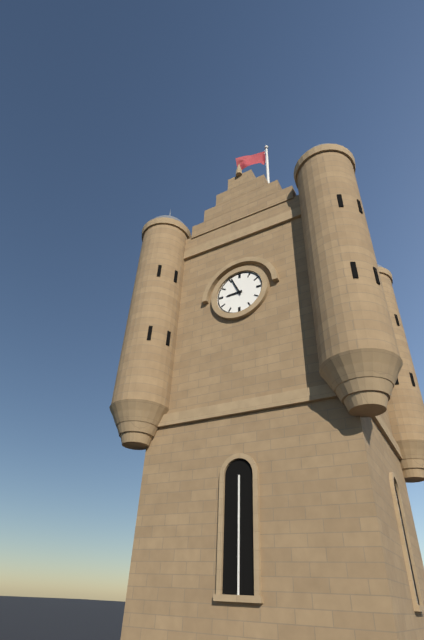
h=8 m=56
